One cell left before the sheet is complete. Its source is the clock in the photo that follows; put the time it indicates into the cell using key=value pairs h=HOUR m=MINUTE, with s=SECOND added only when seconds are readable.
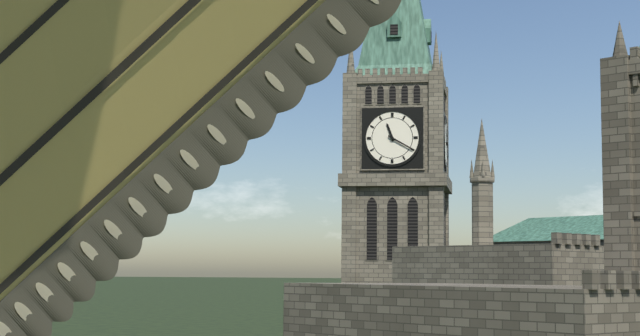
h=11 m=20
